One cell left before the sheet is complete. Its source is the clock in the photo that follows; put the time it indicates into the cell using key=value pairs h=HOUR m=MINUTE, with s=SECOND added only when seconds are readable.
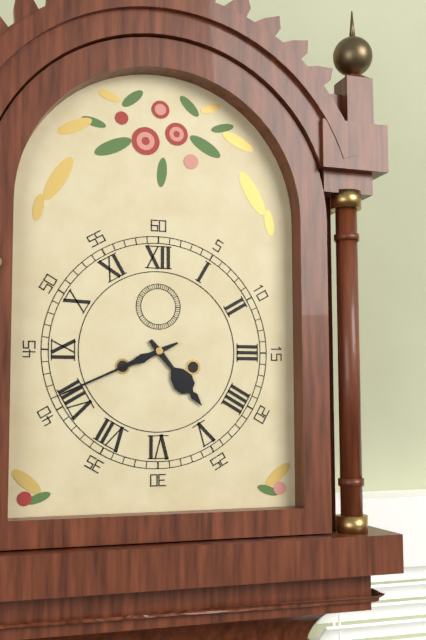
h=4 m=41
